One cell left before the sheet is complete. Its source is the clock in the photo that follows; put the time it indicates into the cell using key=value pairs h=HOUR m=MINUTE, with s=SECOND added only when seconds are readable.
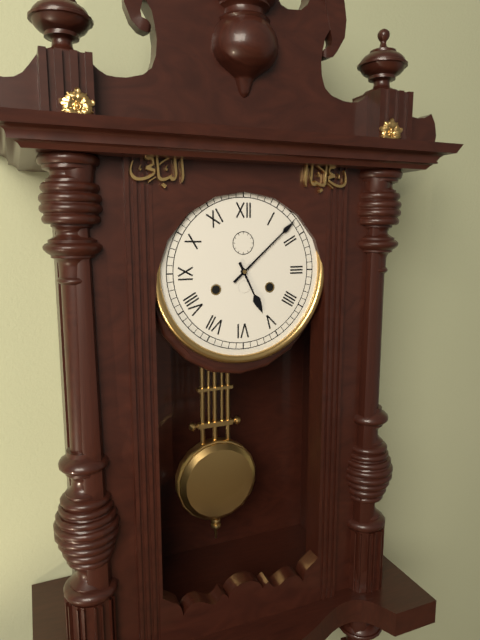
h=5 m=8
